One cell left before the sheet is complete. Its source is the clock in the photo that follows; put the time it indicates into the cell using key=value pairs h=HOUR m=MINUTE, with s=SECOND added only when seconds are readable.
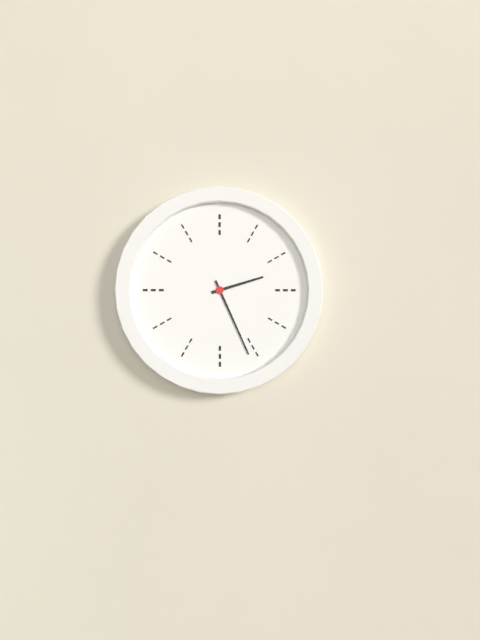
h=2 m=26
